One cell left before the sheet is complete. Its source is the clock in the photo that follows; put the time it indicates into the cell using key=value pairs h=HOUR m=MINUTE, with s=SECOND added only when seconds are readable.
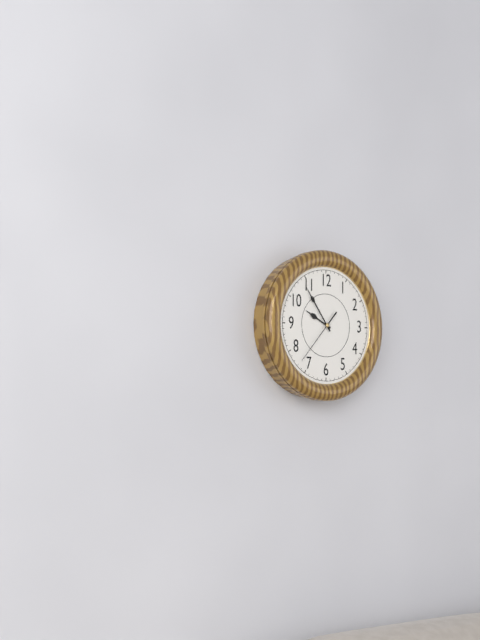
h=9 m=54 s=37
